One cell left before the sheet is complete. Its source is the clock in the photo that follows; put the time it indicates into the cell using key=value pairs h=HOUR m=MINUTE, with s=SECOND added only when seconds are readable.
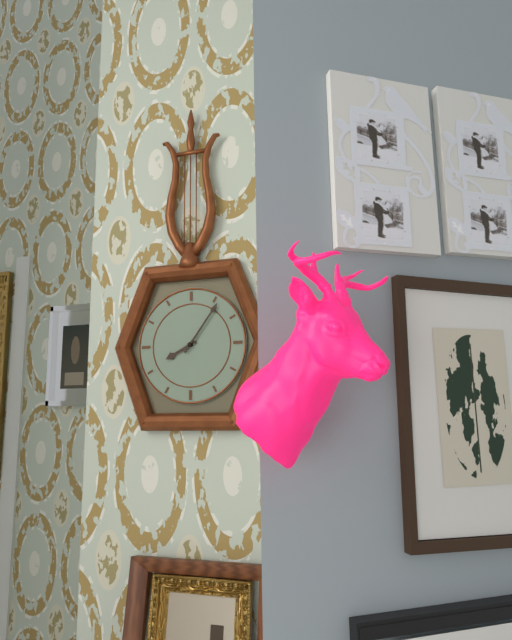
h=8 m=6
